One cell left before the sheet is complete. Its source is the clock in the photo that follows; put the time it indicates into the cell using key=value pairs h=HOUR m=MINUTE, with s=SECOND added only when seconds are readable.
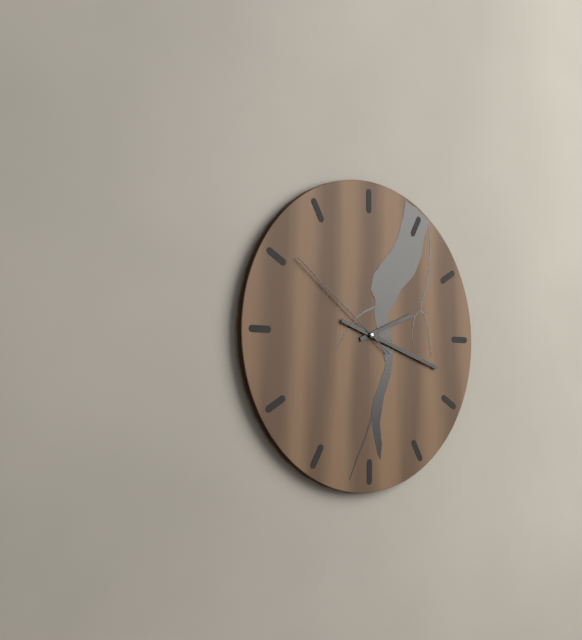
h=2 m=18 s=51
